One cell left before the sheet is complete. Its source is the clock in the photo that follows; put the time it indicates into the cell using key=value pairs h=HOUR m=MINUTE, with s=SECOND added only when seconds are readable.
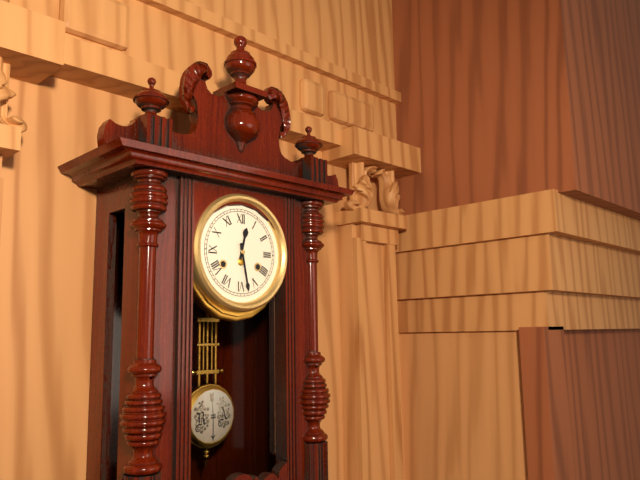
h=12 m=28
